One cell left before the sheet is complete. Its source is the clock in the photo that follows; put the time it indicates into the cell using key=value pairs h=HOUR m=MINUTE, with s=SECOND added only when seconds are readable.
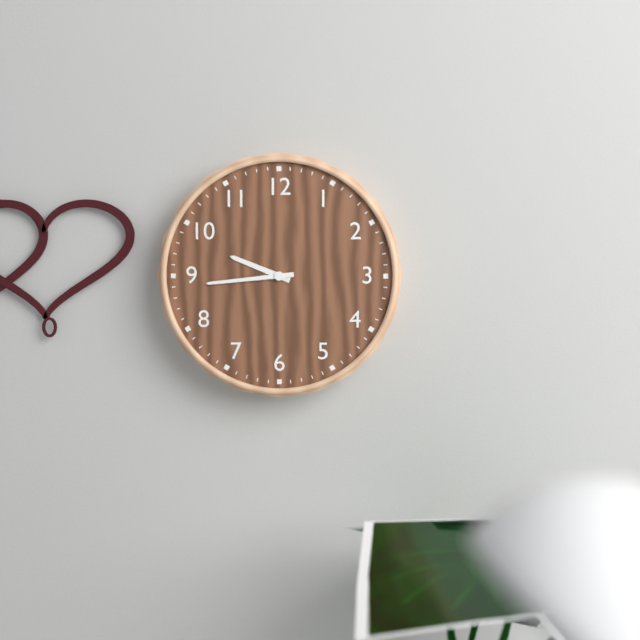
h=9 m=44
